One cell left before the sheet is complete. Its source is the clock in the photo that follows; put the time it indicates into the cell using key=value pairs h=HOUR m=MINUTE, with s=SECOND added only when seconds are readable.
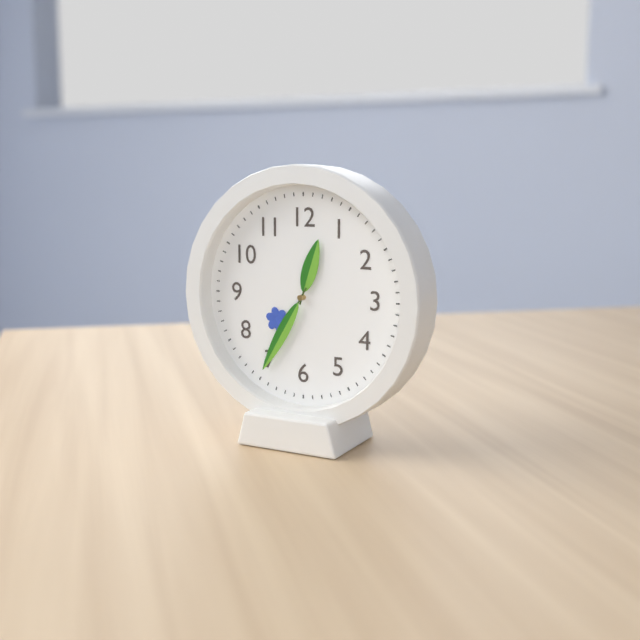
h=12 m=35
